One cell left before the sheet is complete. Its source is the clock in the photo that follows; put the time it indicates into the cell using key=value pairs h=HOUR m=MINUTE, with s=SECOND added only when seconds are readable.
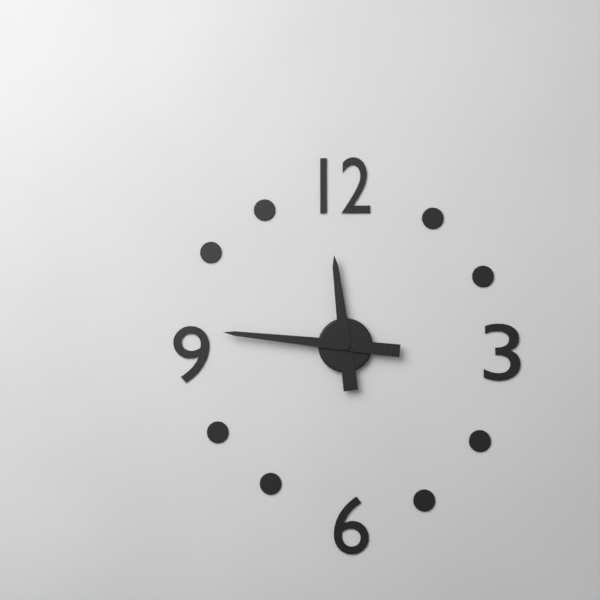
h=11 m=46
